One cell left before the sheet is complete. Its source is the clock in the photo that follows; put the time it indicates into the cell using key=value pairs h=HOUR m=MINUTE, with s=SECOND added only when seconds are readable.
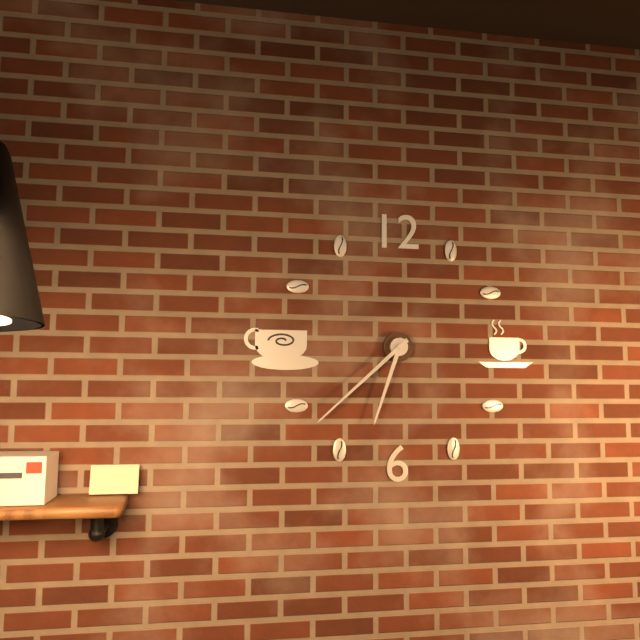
h=6 m=38
